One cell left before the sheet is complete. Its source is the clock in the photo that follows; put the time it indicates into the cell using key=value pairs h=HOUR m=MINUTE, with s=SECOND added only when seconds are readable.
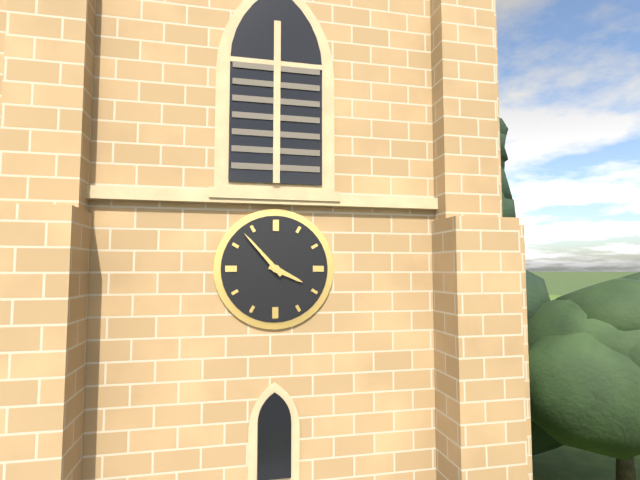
h=3 m=53
